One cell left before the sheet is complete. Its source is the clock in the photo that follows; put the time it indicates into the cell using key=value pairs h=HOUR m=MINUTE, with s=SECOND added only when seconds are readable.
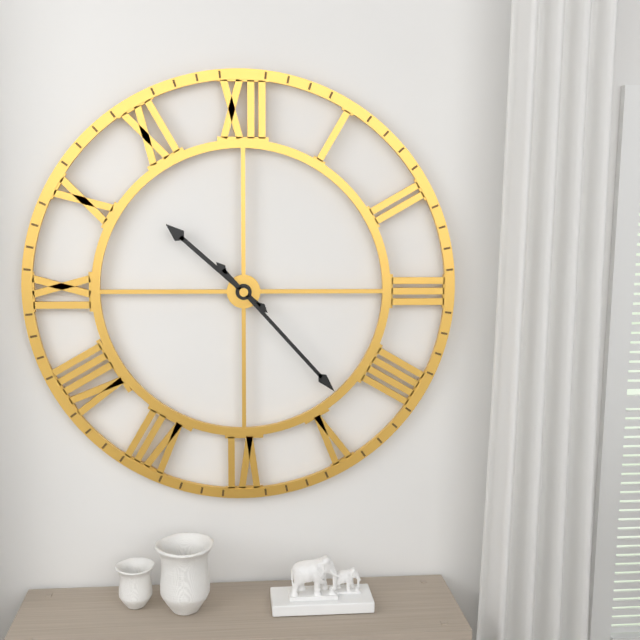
h=10 m=23
